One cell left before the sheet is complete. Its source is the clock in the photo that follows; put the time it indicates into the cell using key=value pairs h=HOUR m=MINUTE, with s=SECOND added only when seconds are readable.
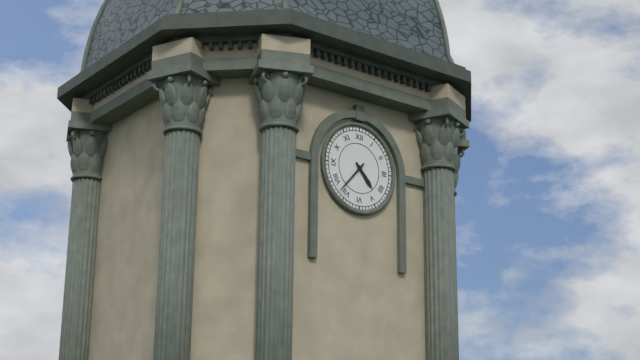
h=4 m=37
